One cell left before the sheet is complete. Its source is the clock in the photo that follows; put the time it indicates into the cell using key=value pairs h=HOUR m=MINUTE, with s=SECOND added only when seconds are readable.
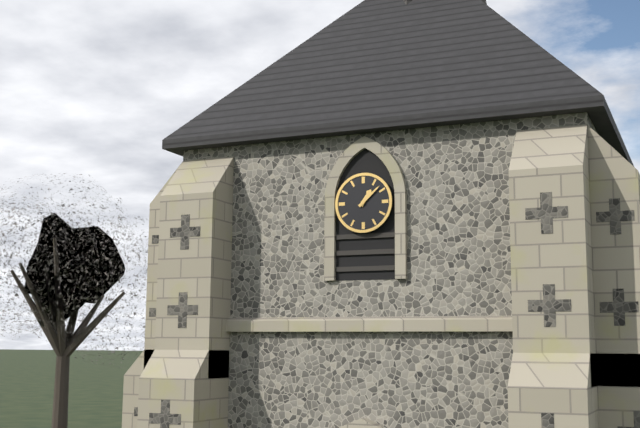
h=1 m=8
